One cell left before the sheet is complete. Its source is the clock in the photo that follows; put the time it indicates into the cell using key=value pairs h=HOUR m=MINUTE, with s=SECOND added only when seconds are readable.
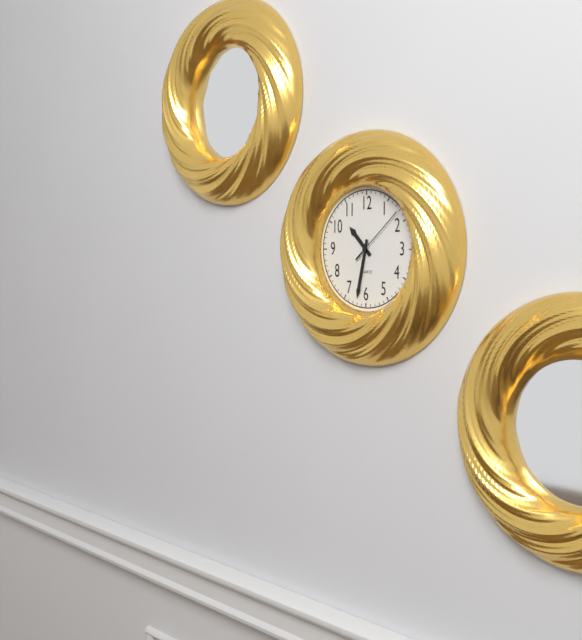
h=10 m=32 s=8
